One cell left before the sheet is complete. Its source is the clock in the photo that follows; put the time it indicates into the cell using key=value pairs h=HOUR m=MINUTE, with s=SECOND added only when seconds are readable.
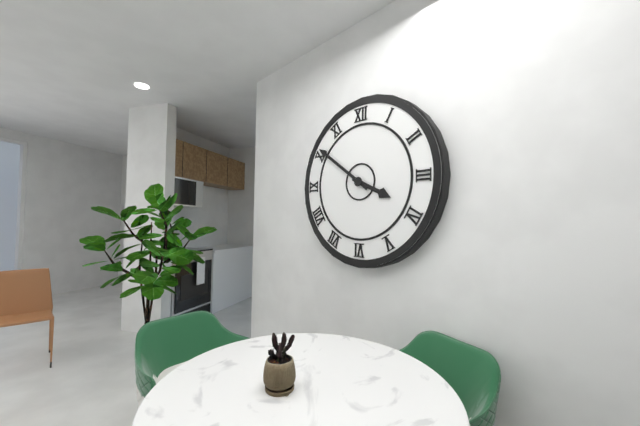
h=3 m=51
